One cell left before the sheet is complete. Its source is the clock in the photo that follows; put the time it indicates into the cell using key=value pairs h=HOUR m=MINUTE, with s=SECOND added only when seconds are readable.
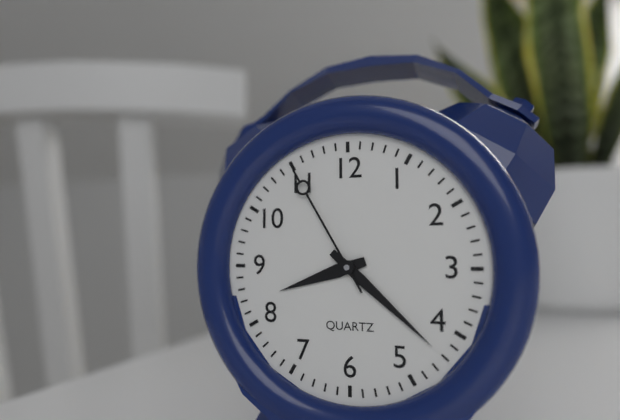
h=8 m=22 s=55
